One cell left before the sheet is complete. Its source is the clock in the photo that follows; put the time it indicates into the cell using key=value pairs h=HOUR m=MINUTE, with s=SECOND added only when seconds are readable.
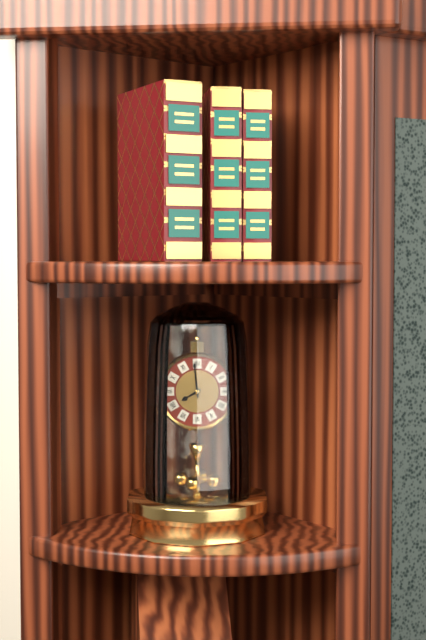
h=7 m=59
